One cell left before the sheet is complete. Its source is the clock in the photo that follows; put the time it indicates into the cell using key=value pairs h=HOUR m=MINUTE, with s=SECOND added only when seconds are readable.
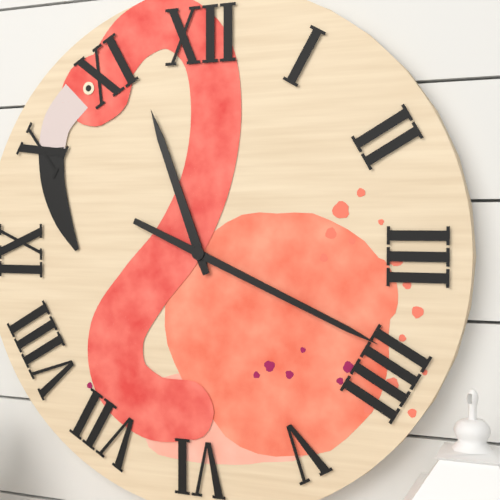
h=11 m=19
